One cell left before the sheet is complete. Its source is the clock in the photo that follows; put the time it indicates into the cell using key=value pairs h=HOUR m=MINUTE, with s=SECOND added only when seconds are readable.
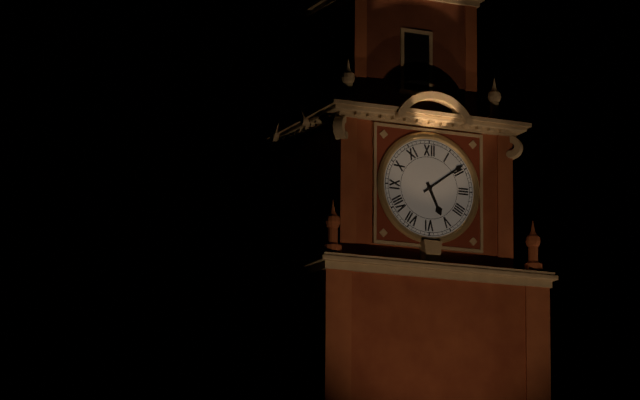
h=5 m=9
